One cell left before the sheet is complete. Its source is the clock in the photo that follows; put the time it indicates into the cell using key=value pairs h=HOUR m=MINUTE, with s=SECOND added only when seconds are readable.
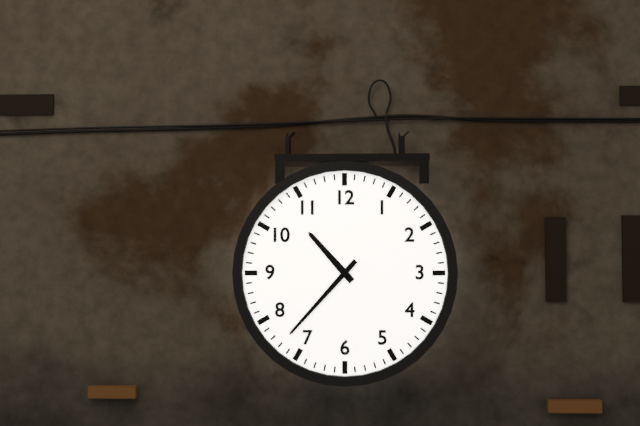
h=10 m=37
